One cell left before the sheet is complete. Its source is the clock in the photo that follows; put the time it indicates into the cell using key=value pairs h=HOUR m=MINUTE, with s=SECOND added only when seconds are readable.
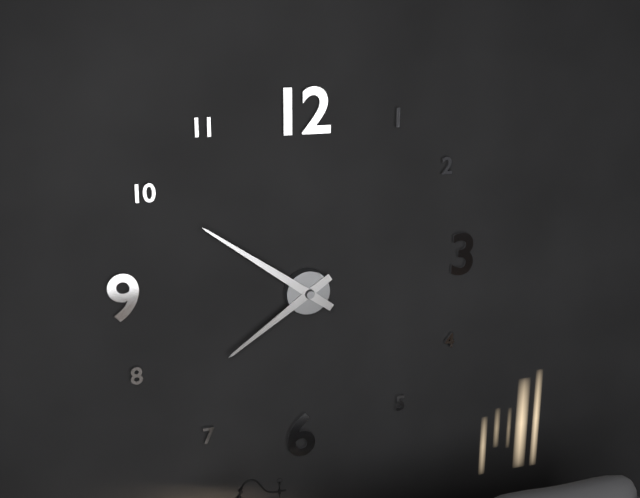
h=7 m=51
